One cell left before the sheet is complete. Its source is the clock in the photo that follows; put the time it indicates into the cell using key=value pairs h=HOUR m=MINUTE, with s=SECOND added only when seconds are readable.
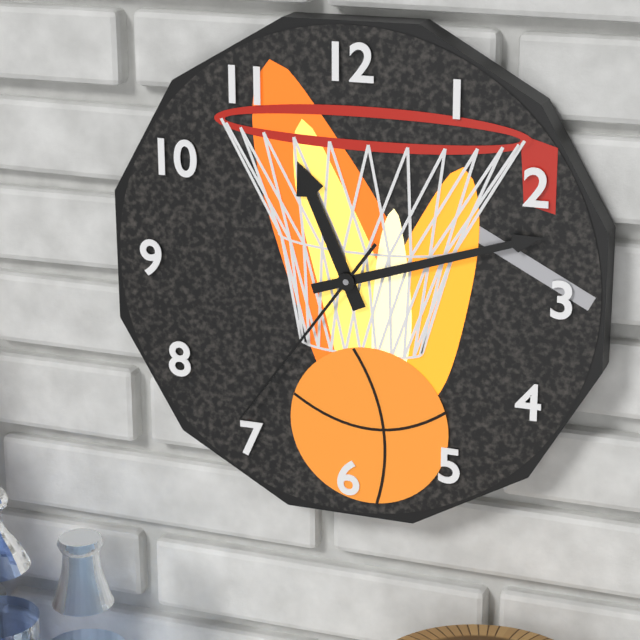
h=11 m=12 s=36
